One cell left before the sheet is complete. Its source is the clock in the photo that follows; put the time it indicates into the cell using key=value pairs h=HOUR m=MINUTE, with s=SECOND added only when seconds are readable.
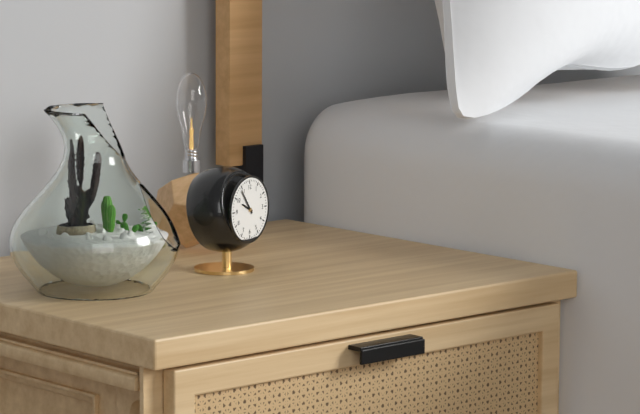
h=9 m=54
